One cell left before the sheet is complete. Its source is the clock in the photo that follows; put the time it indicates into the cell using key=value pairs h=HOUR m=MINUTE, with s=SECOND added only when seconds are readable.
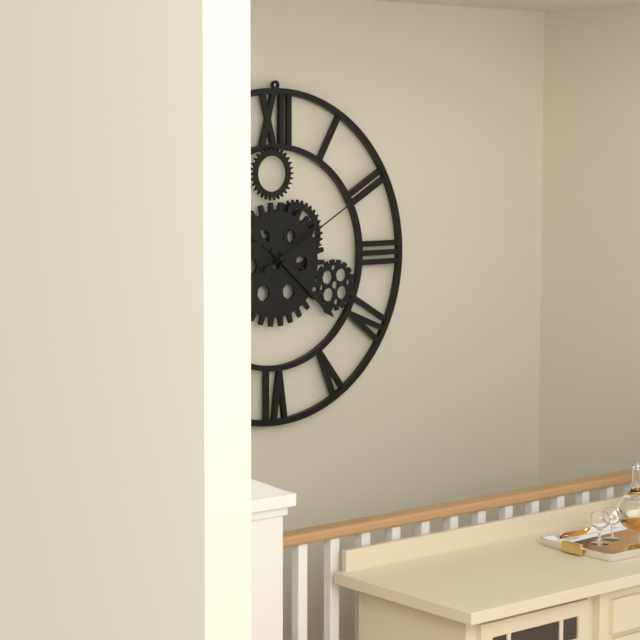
h=10 m=22 s=10
